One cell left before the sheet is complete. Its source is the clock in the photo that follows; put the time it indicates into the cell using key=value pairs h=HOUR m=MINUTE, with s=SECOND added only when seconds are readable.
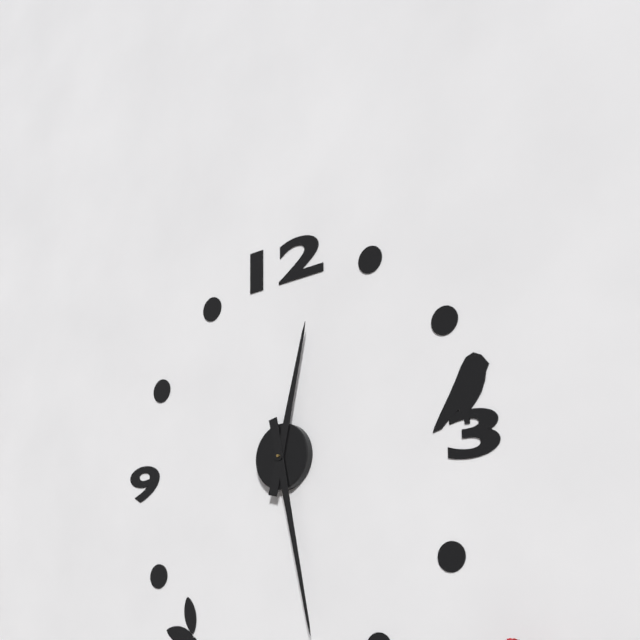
h=12 m=28
